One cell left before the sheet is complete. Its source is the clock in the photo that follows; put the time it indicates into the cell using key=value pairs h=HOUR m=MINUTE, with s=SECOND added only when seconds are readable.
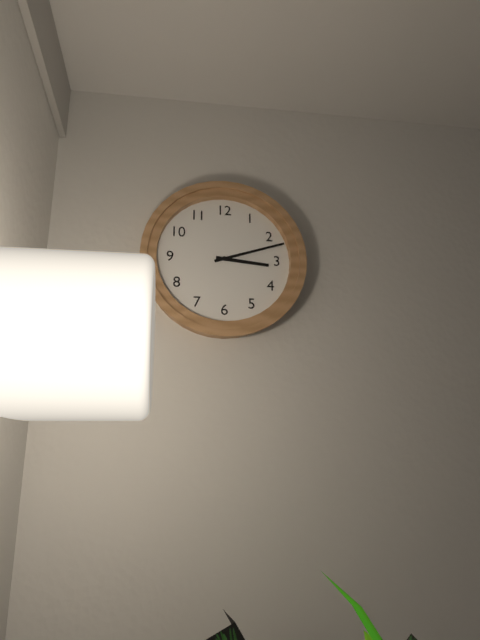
h=3 m=12
